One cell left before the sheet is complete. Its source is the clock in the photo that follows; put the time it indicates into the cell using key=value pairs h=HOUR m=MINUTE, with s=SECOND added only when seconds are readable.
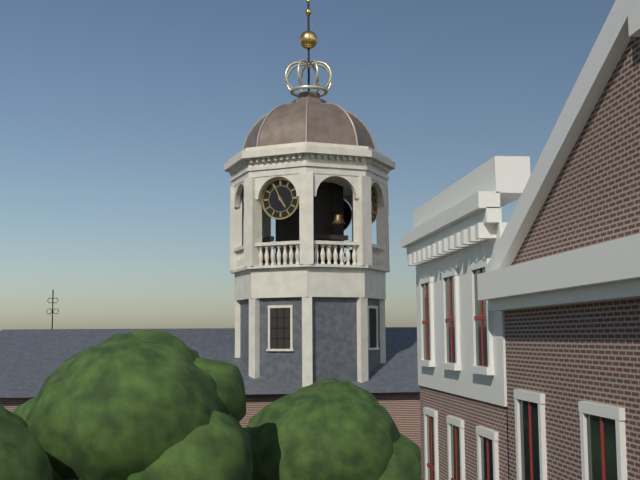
h=4 m=56
